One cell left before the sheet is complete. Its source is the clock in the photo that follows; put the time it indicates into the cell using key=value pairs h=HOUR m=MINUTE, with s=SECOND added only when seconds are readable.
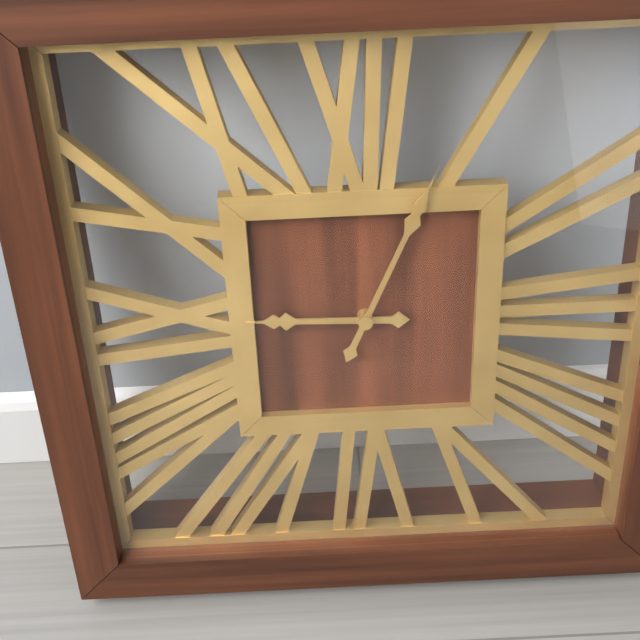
h=9 m=4
